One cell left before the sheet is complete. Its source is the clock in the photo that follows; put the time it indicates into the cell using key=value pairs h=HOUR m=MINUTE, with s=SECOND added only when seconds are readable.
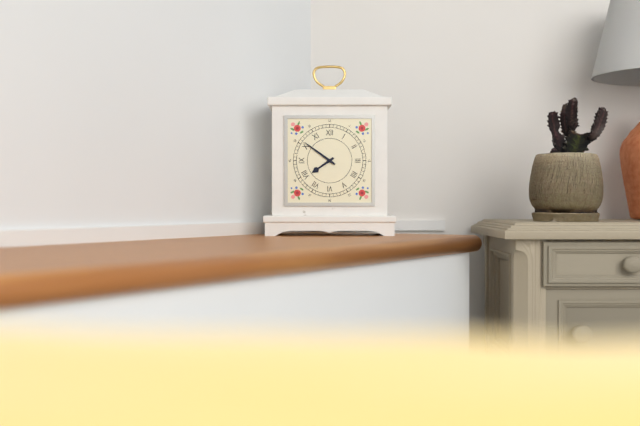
h=7 m=51
